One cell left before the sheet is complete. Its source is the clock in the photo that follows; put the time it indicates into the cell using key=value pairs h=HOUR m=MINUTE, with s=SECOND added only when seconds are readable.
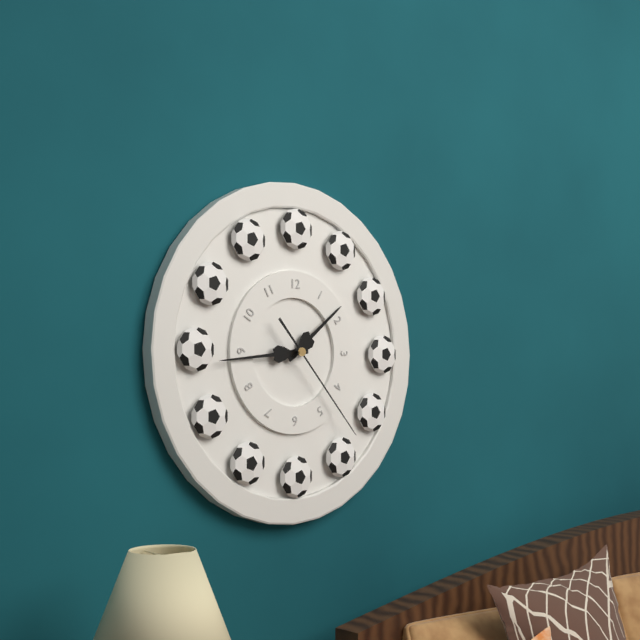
h=1 m=44 s=23
